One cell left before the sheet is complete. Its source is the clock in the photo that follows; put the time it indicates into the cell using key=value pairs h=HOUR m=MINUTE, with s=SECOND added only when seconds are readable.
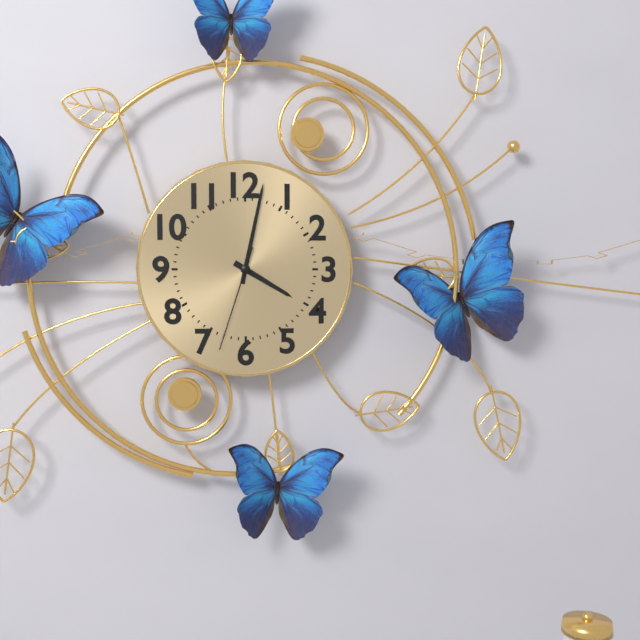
h=4 m=2 s=33
